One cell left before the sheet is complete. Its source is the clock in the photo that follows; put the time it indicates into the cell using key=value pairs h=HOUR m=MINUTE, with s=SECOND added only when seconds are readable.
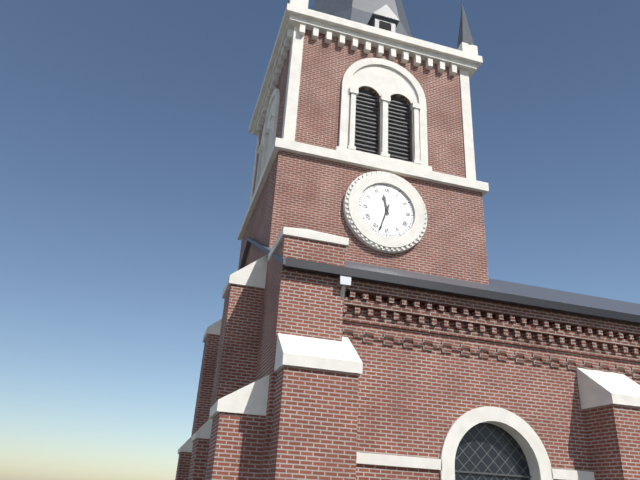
h=11 m=33
